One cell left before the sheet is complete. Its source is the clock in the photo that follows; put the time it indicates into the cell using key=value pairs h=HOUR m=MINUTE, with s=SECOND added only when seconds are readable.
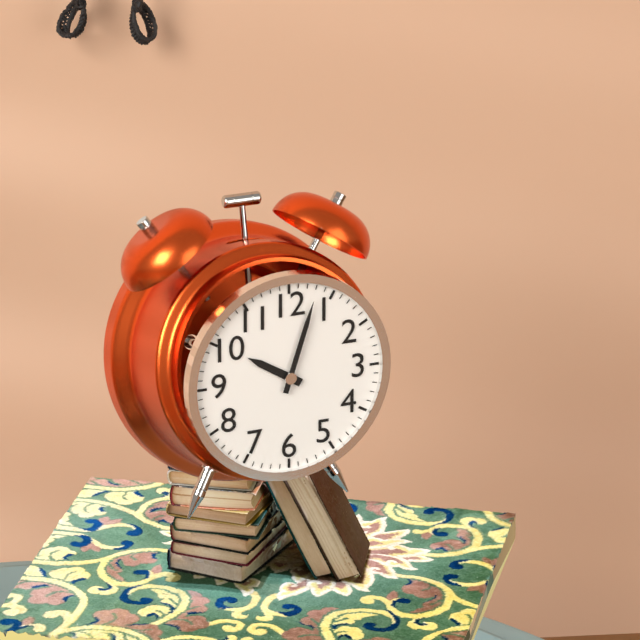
h=10 m=3
